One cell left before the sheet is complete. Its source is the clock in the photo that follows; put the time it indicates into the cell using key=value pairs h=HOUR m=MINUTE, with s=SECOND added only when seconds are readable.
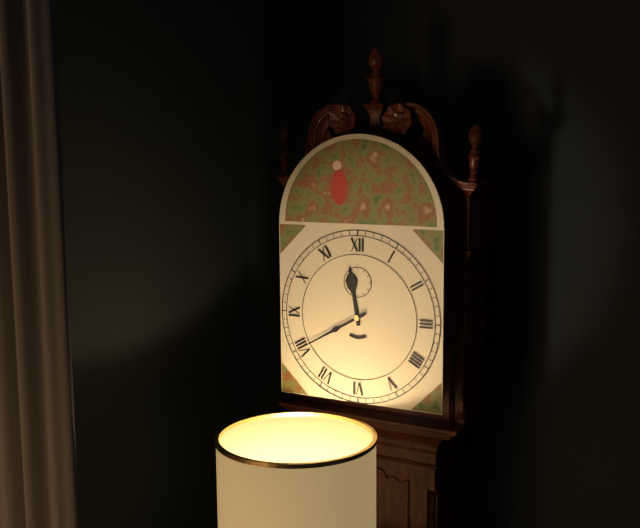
h=11 m=40
